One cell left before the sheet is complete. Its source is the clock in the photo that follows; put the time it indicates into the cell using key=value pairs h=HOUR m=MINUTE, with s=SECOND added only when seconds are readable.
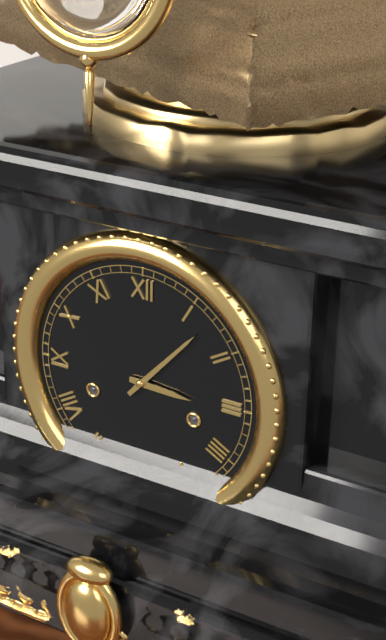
h=3 m=7
